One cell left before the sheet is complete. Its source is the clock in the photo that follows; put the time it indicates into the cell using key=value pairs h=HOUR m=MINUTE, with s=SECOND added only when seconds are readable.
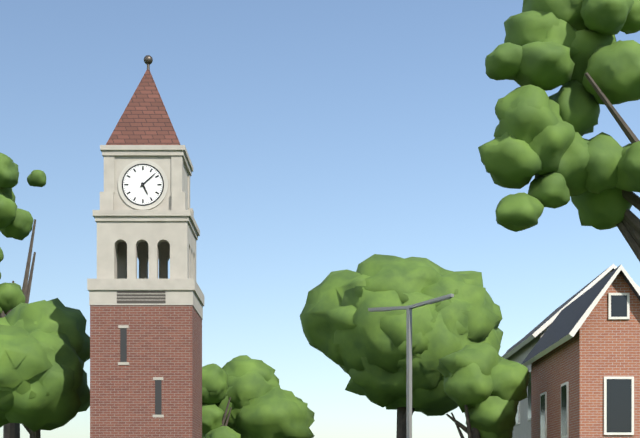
h=5 m=8
